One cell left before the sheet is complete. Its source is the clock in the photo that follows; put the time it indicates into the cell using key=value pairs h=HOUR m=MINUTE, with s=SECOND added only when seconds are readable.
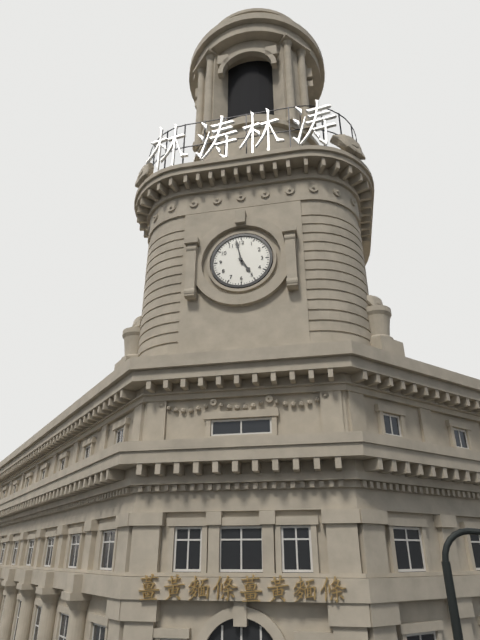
h=4 m=58
